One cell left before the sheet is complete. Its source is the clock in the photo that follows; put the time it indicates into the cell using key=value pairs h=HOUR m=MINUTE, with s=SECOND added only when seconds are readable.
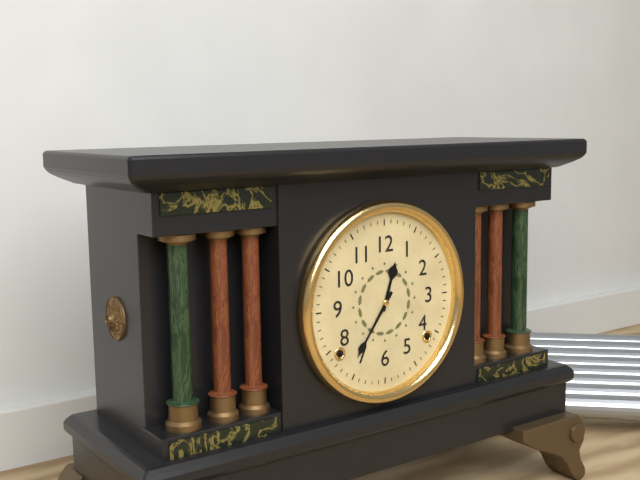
h=12 m=36
